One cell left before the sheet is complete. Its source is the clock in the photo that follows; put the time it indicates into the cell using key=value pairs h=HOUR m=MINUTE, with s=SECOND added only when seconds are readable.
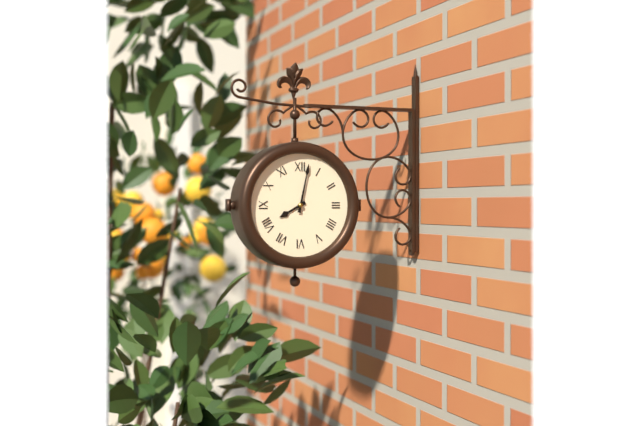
h=8 m=2
